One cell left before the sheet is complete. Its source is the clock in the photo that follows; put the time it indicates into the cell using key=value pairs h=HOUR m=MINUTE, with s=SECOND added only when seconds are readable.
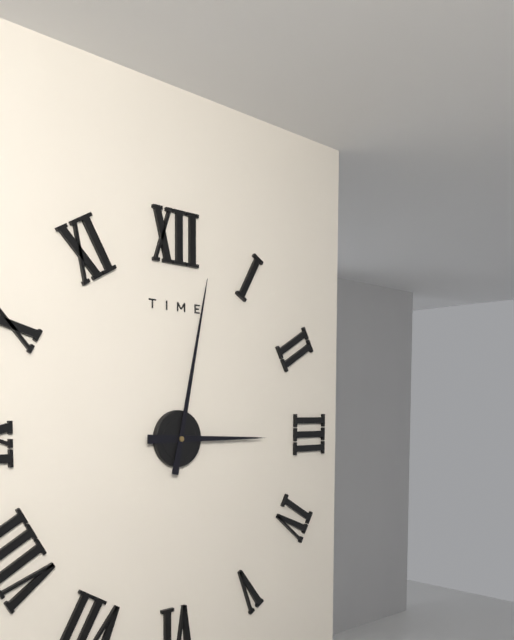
h=3 m=2
